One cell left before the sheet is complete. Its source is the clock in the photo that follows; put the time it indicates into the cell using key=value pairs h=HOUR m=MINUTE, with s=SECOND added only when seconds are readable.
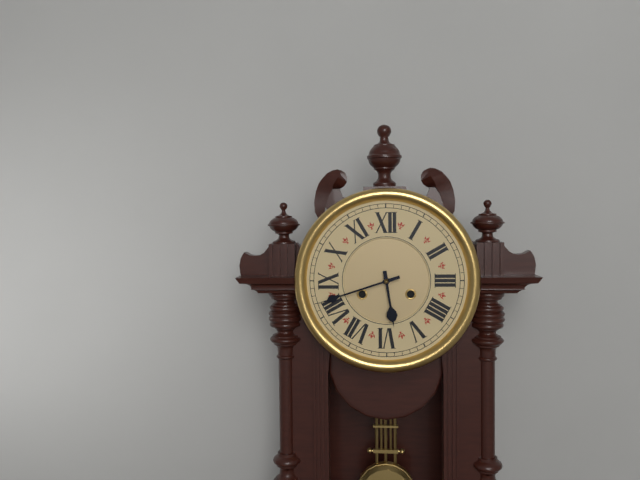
h=5 m=42
